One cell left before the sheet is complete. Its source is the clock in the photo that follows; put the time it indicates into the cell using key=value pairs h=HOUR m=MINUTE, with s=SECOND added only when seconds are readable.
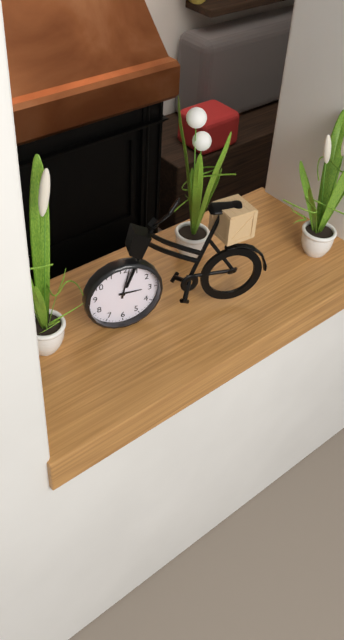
h=3 m=2
